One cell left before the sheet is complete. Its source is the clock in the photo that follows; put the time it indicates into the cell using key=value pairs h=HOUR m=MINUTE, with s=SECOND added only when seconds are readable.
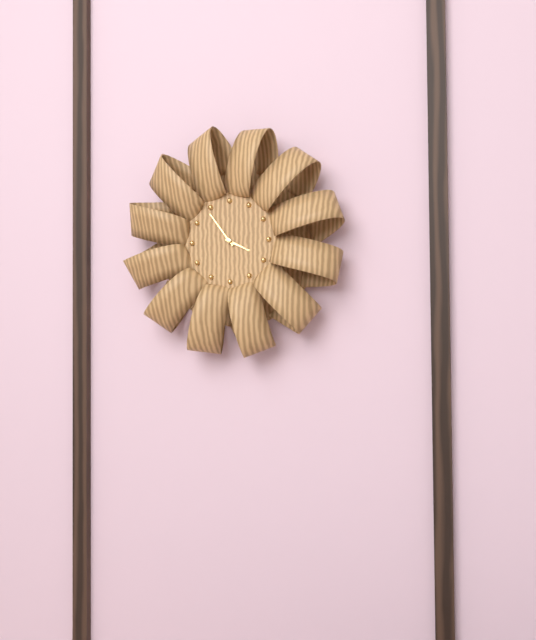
h=3 m=54
